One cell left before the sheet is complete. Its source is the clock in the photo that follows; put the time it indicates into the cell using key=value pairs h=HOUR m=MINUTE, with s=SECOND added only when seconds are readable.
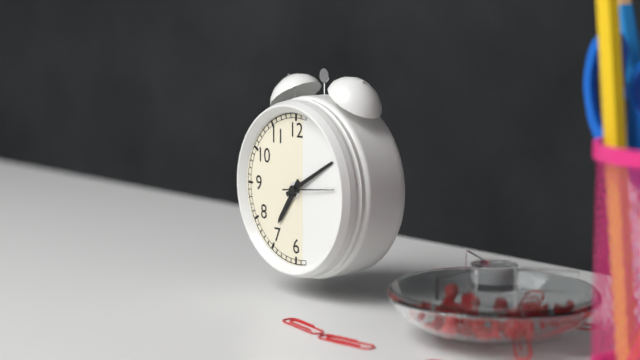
h=7 m=10
